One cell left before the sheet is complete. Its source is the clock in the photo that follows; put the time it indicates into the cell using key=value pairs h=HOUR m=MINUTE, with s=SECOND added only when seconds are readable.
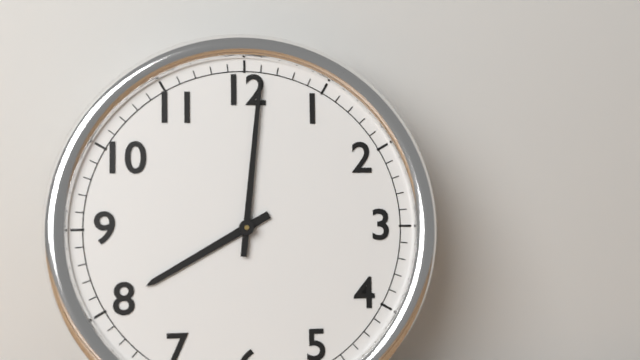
h=8 m=1
